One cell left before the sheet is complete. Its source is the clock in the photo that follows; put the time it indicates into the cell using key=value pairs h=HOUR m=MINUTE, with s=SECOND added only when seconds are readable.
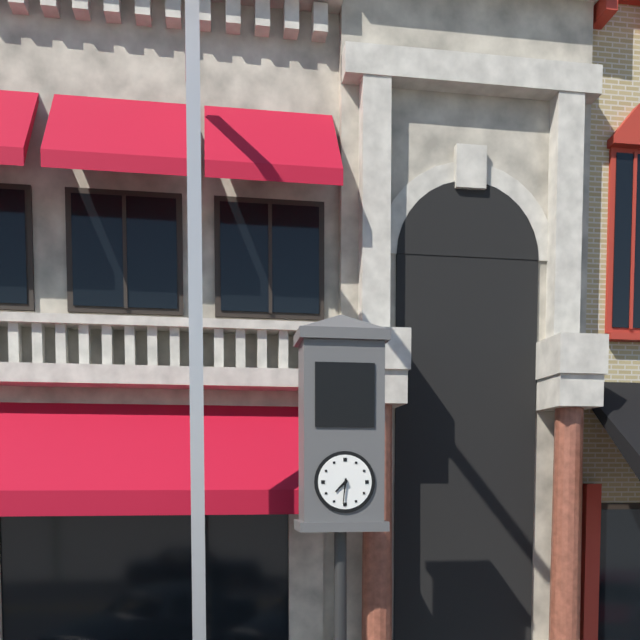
h=7 m=31
